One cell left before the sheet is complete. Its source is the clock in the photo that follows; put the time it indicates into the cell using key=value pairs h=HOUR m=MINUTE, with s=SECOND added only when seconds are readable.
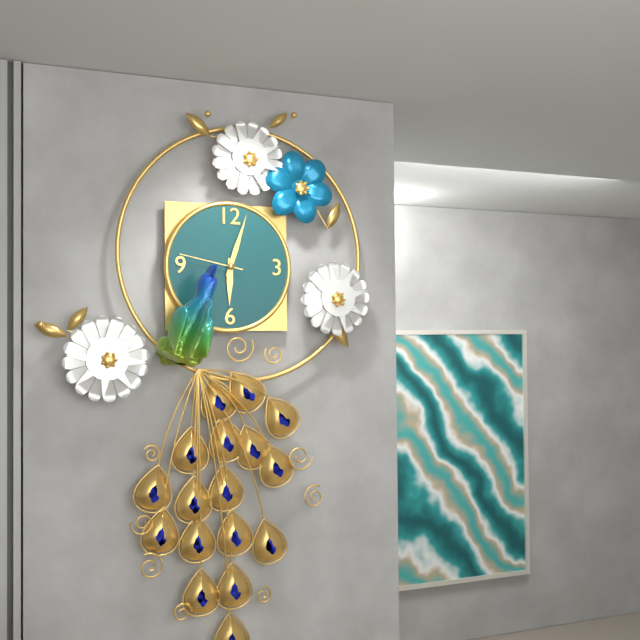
h=6 m=3 s=47
